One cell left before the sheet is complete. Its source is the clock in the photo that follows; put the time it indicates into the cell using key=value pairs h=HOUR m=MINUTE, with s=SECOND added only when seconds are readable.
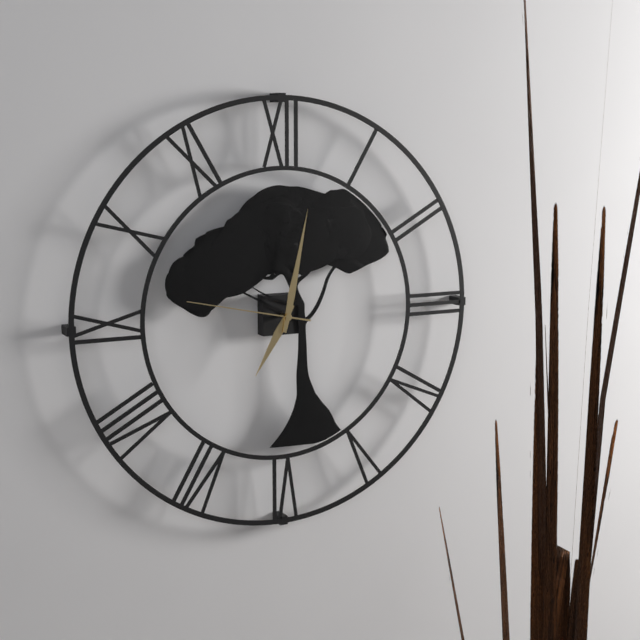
h=7 m=2 s=47
